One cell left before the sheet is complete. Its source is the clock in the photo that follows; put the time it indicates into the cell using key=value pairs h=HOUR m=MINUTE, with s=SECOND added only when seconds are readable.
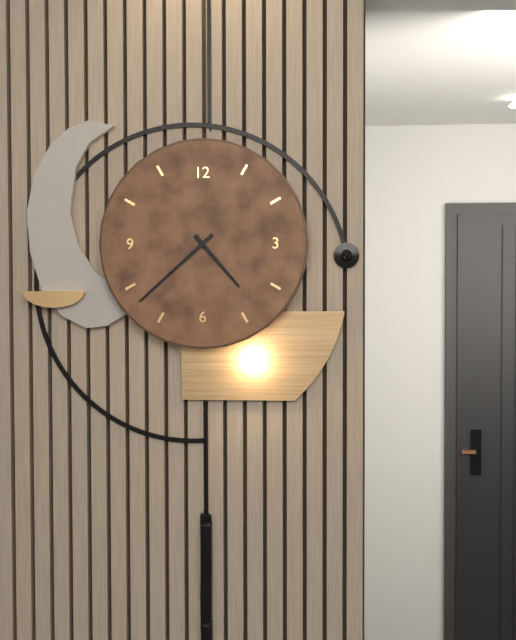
h=4 m=38
